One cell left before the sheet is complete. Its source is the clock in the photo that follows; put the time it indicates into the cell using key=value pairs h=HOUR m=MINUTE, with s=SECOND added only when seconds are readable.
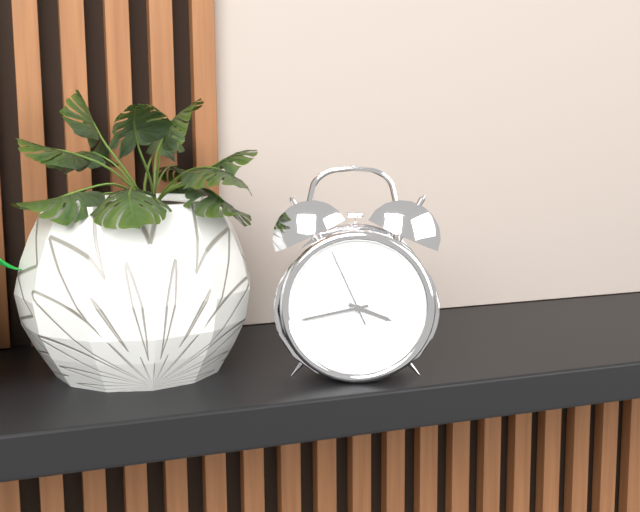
h=3 m=43 s=56
